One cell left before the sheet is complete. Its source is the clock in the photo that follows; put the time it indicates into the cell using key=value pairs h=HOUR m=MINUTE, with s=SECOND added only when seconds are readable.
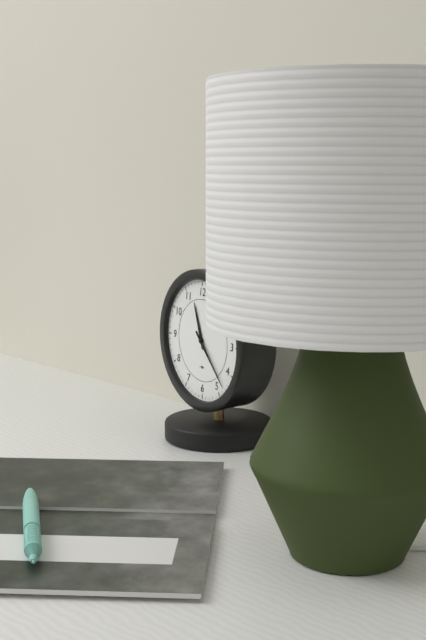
h=11 m=23
